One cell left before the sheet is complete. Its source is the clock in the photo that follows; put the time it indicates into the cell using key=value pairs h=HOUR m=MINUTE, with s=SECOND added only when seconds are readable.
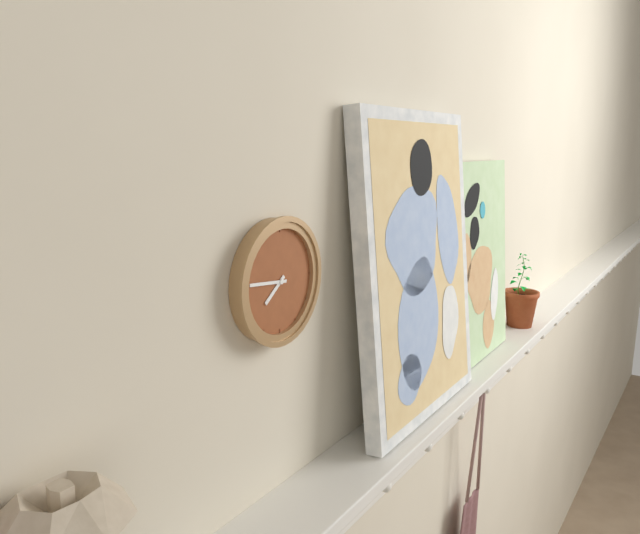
h=7 m=46
